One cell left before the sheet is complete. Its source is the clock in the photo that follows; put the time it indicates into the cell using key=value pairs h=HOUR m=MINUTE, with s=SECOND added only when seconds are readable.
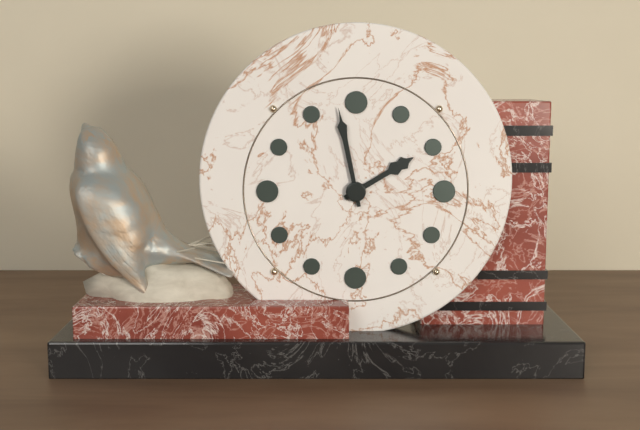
h=1 m=58
